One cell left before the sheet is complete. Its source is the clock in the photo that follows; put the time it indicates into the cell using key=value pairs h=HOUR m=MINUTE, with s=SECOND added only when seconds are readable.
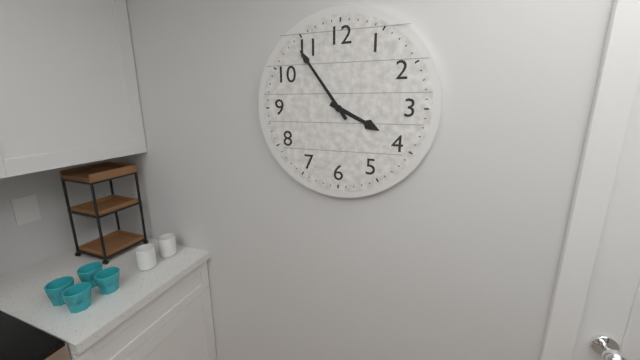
h=3 m=54
